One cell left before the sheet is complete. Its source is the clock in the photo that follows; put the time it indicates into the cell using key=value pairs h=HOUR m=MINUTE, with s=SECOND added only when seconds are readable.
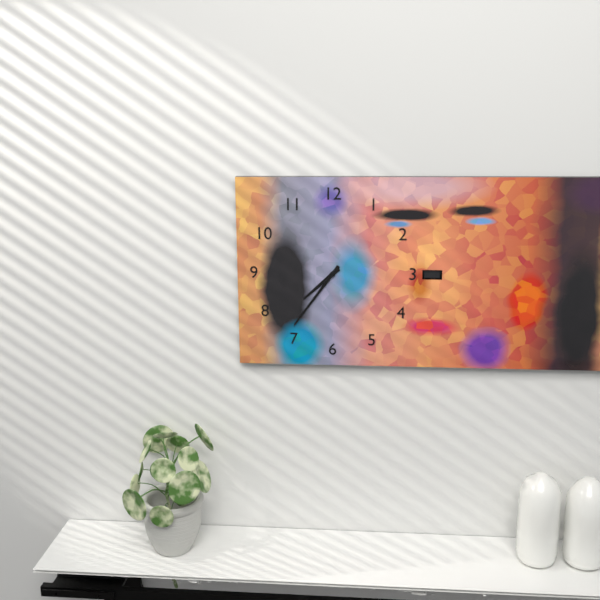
h=7 m=36
